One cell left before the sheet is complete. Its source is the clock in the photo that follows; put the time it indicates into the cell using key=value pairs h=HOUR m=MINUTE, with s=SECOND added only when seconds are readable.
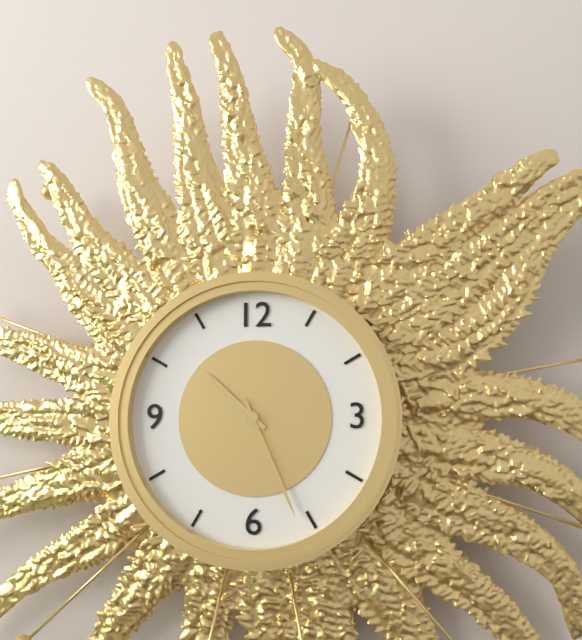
h=10 m=26
